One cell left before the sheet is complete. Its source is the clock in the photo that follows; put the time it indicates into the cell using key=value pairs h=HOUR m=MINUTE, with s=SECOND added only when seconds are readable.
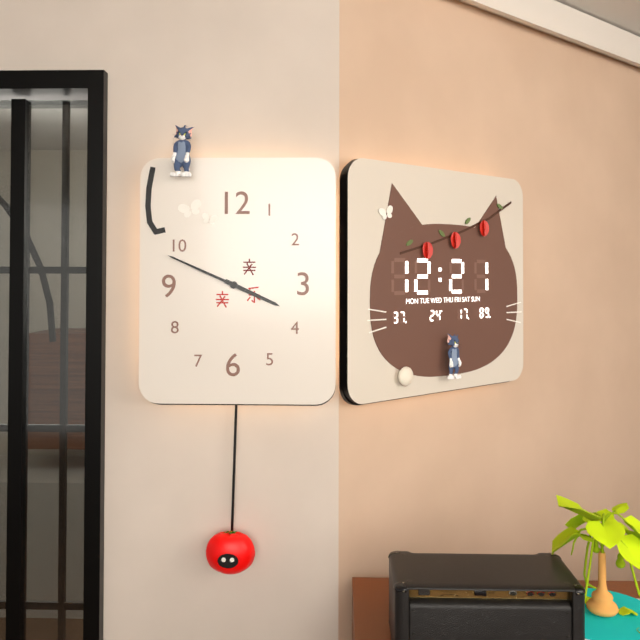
h=3 m=49
